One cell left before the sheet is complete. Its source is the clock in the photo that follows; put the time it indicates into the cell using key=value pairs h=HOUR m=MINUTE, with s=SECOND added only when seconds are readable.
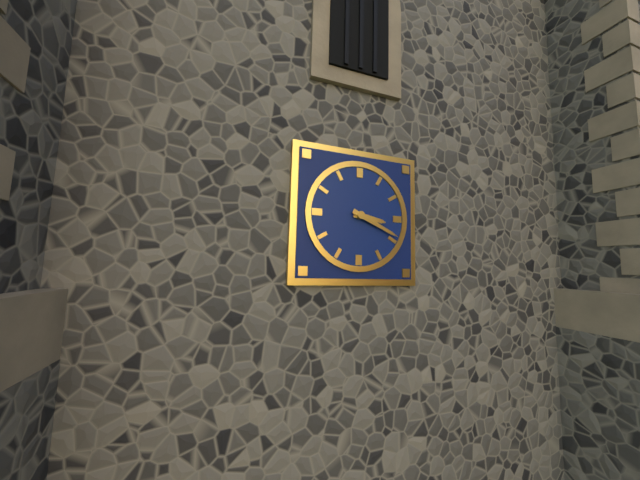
h=3 m=19
